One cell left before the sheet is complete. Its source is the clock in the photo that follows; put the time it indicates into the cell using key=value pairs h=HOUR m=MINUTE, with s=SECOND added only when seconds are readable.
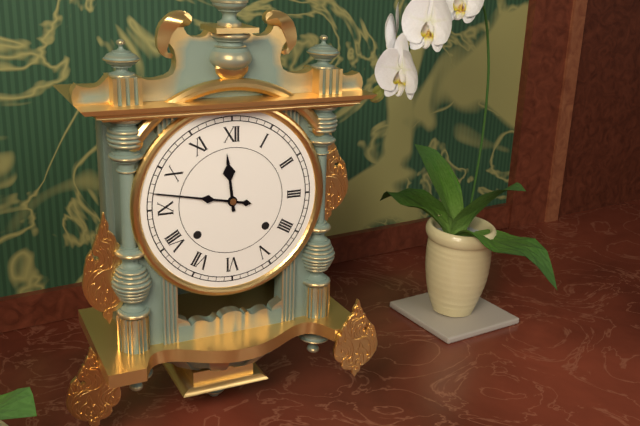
h=11 m=47
